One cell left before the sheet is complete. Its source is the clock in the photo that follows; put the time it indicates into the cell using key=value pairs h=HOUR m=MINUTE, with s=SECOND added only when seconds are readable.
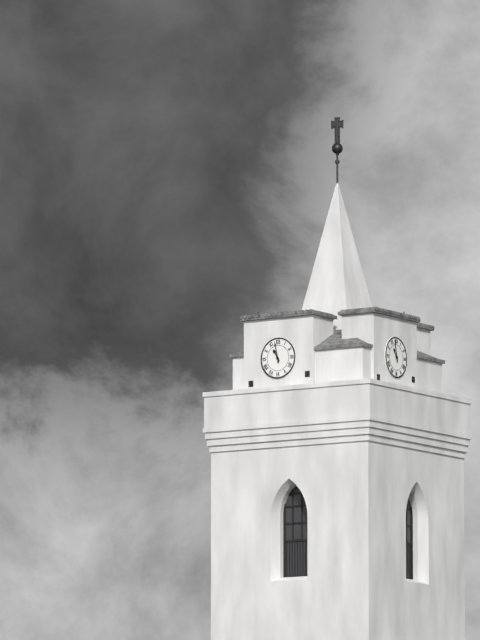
h=10 m=58
